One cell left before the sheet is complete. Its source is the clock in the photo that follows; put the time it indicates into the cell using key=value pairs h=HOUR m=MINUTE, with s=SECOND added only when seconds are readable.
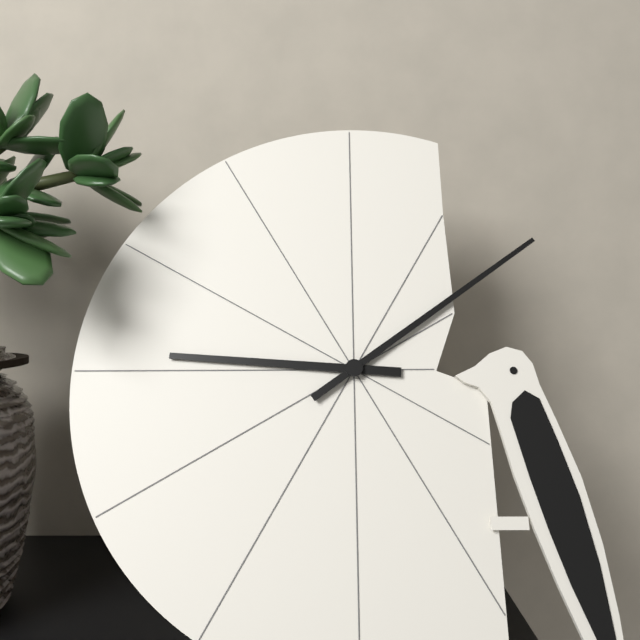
h=9 m=9
